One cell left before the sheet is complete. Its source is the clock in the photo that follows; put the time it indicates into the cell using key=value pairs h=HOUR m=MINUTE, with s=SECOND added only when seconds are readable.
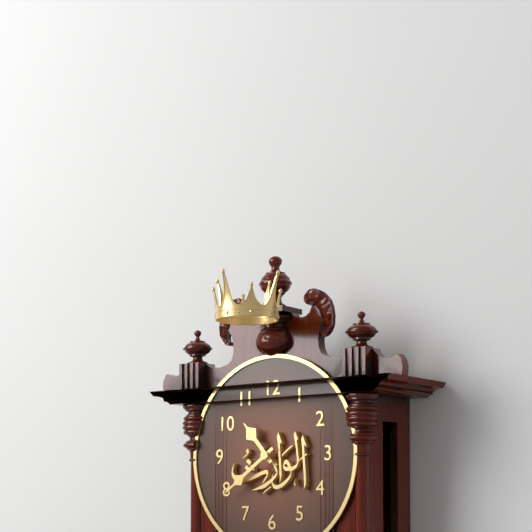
h=10 m=39
